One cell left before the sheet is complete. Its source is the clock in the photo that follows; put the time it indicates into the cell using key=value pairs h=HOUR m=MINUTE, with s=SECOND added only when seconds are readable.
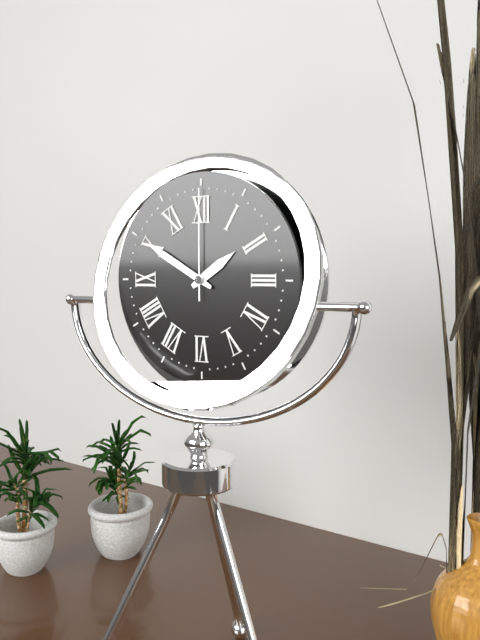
h=1 m=50 s=0
